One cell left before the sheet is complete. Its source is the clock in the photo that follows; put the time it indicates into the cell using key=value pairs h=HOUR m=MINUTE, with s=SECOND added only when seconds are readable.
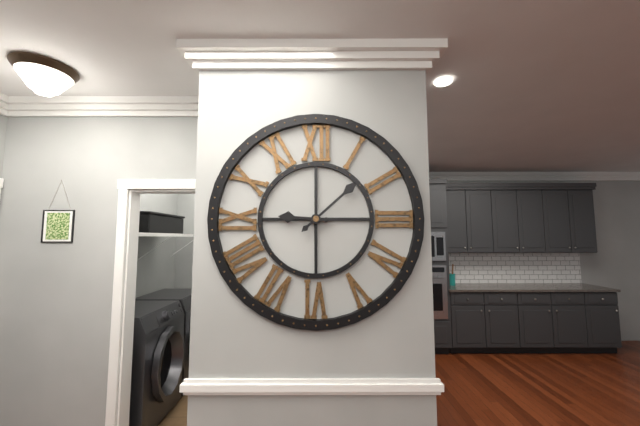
h=9 m=8
